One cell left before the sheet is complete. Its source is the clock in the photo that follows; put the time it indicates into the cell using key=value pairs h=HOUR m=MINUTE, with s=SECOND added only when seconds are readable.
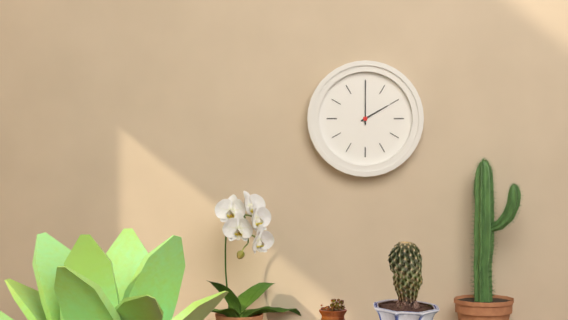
h=2 m=0
